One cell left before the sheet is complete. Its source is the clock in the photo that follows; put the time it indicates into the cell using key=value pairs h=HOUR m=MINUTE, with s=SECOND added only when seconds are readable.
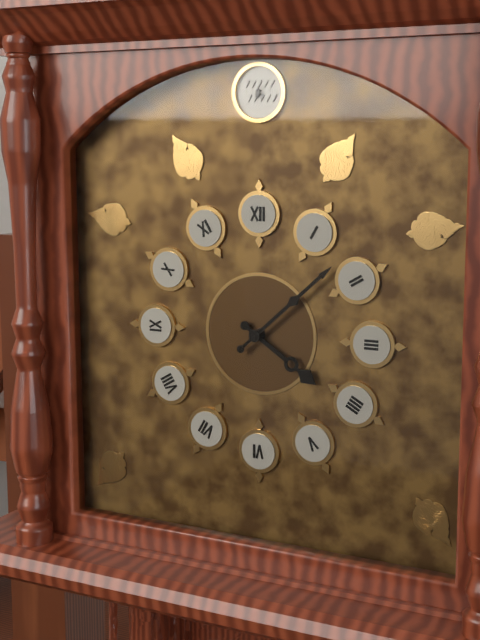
h=4 m=8
